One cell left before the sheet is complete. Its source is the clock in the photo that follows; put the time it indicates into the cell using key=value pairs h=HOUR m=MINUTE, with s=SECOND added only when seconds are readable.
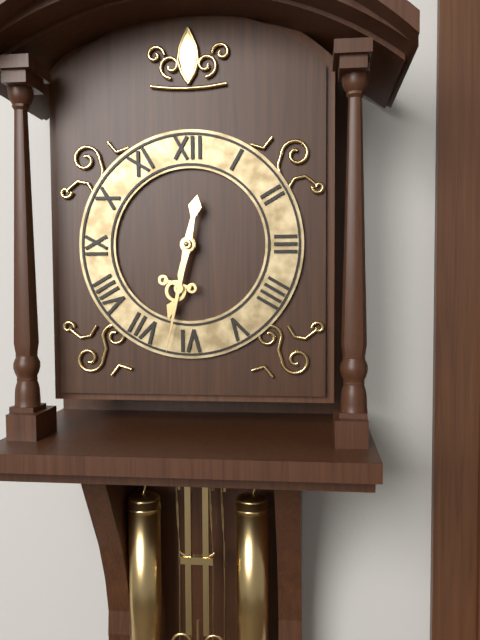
h=6 m=32
